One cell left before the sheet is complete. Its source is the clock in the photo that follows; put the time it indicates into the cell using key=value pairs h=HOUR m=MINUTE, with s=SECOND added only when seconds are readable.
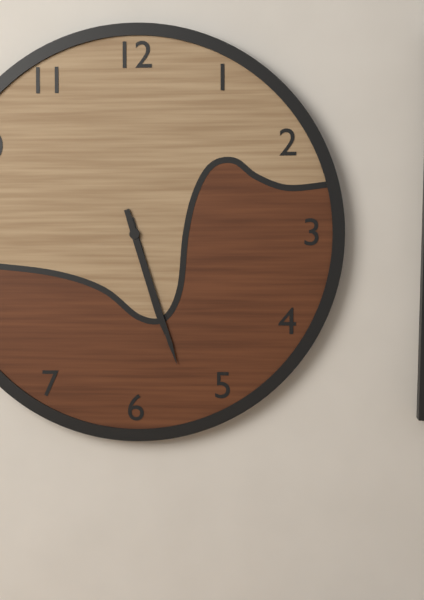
h=5 m=27
